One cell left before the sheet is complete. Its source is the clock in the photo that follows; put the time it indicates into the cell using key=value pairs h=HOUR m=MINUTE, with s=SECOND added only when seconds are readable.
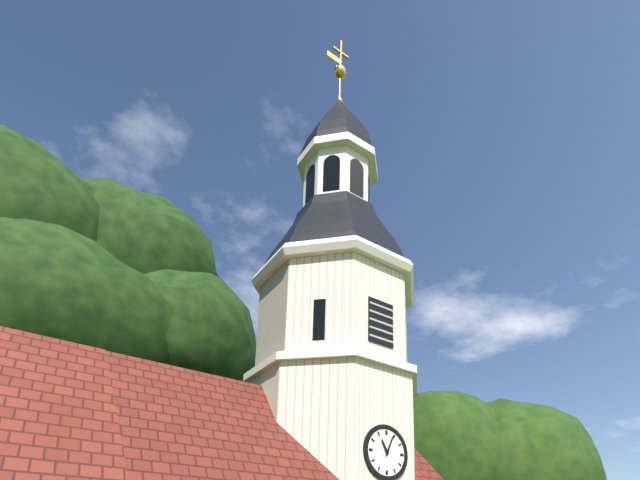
h=11 m=4
